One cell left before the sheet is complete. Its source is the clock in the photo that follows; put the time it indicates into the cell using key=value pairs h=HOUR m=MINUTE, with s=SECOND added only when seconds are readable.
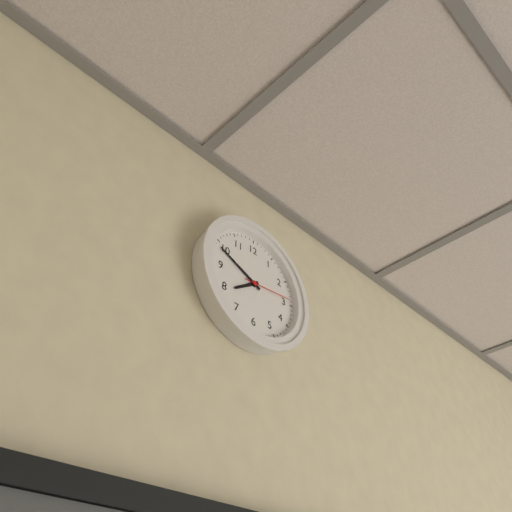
h=7 m=49 s=14
